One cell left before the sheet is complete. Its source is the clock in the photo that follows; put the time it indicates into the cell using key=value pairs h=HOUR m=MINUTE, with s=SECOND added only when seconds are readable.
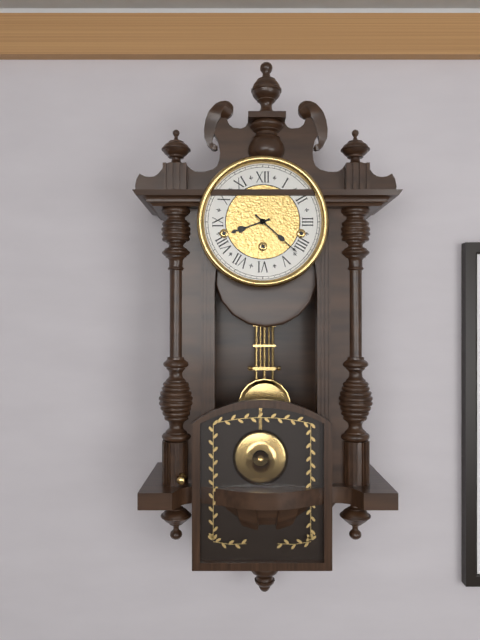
h=8 m=22
